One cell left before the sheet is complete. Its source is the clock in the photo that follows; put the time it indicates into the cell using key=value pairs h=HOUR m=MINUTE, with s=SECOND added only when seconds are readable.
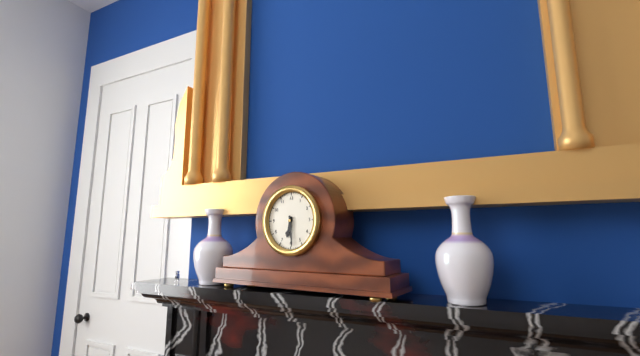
h=6 m=29
